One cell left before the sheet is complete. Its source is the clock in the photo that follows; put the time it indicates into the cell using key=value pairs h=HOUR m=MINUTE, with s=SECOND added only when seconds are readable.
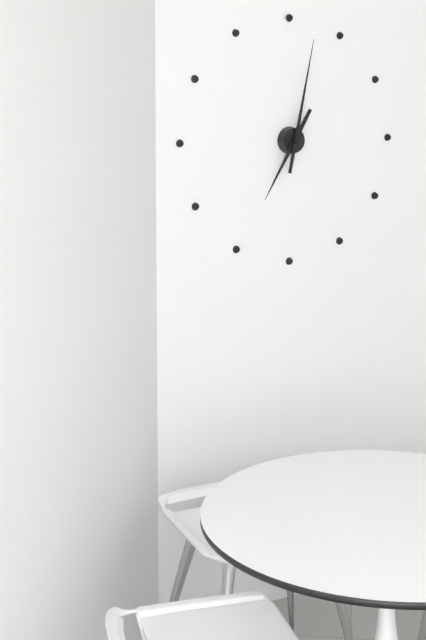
h=7 m=2
